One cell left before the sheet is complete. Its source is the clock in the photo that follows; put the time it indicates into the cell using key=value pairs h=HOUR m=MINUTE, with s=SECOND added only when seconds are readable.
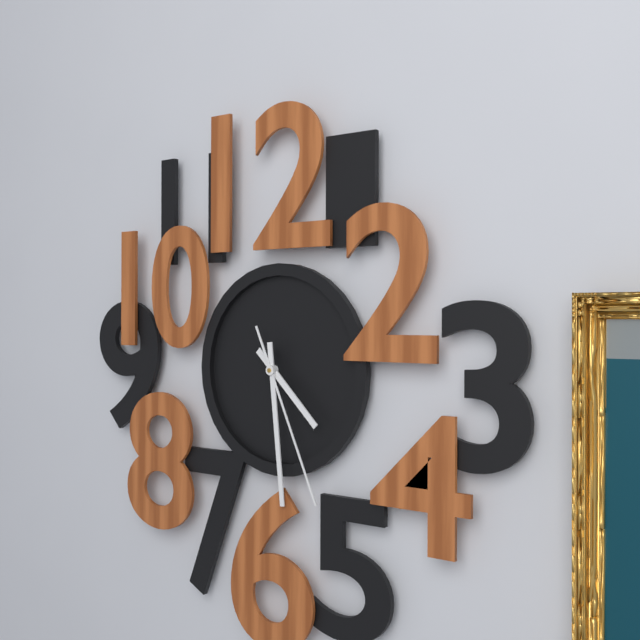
h=4 m=29 s=26
